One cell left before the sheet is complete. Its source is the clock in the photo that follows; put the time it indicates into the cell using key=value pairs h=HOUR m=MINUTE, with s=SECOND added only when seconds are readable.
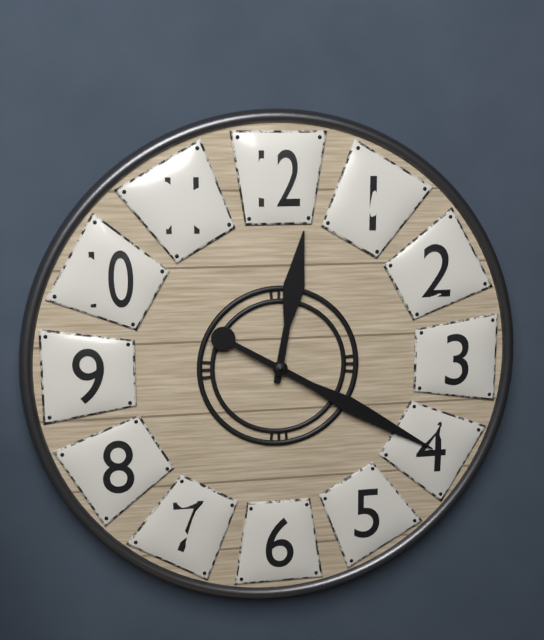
h=12 m=20
